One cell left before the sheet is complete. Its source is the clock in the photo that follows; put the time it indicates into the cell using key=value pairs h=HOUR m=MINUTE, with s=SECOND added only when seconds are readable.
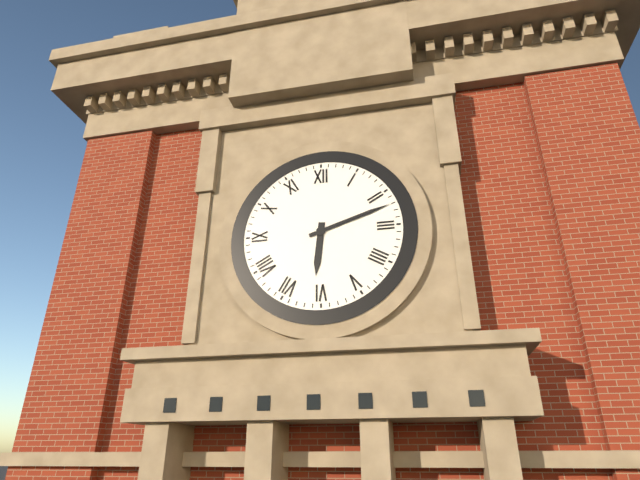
h=6 m=12
